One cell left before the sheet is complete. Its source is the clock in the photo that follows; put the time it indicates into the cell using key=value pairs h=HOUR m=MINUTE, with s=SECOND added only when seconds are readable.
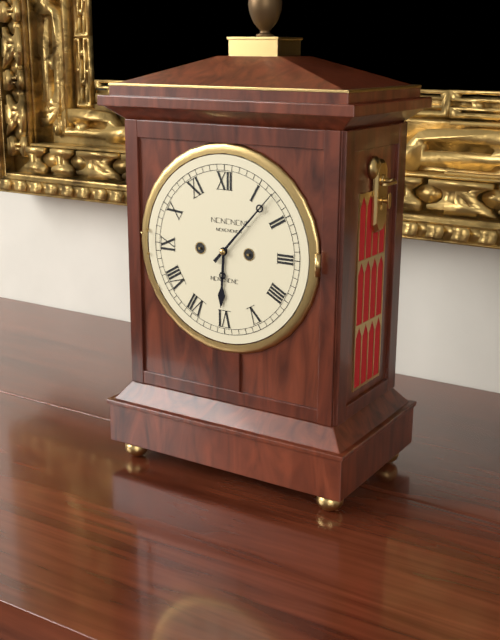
h=6 m=7
